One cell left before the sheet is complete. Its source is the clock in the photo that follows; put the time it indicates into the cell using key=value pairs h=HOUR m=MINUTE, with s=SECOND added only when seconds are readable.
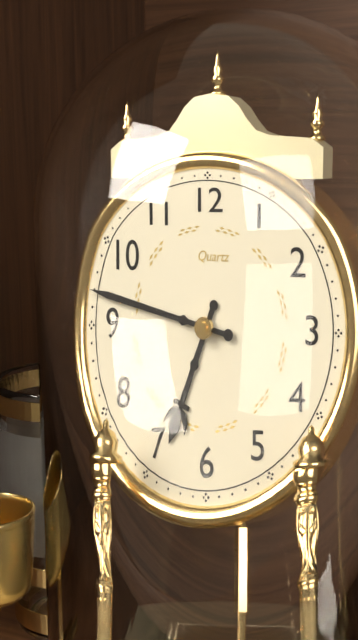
h=6 m=47
